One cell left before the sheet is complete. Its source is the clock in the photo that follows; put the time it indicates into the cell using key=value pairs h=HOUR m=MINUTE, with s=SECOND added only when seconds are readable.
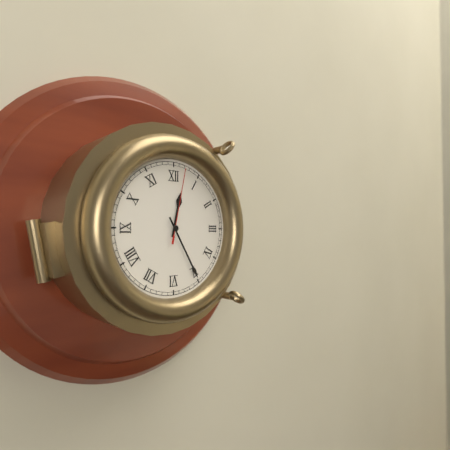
h=12 m=25 s=2
